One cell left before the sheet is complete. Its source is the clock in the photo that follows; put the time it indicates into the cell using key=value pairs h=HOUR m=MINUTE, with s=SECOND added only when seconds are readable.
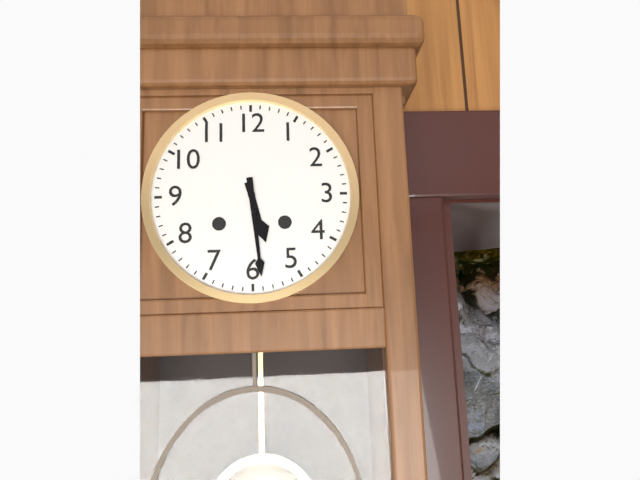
h=5 m=29
